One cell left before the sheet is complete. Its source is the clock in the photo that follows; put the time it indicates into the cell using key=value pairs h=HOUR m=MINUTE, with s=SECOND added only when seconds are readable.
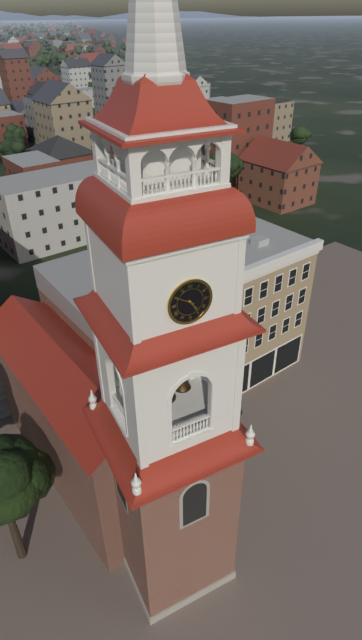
h=4 m=50
